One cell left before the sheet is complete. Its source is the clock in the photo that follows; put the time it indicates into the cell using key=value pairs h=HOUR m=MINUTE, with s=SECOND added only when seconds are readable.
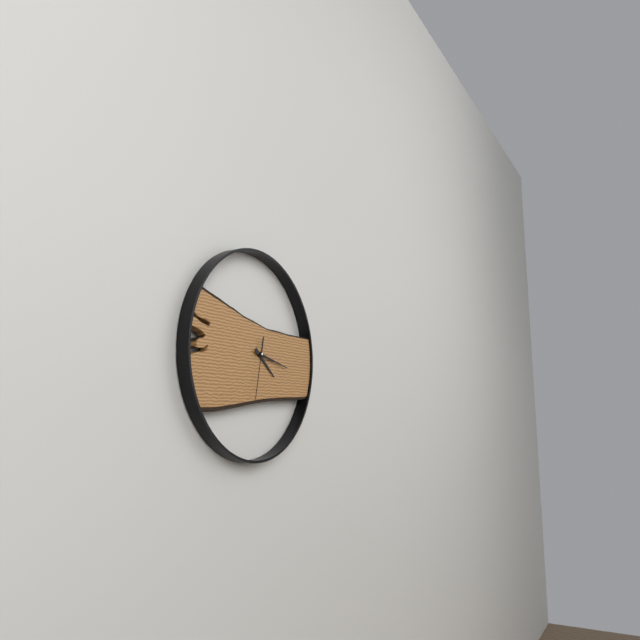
h=4 m=17 s=32
